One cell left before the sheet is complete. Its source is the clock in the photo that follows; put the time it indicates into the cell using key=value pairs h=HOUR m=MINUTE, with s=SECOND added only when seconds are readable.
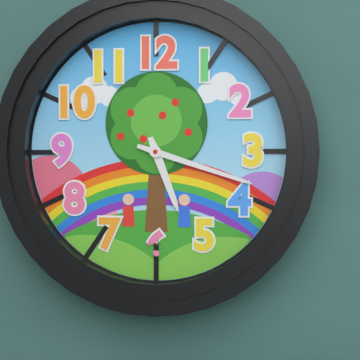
h=5 m=18
